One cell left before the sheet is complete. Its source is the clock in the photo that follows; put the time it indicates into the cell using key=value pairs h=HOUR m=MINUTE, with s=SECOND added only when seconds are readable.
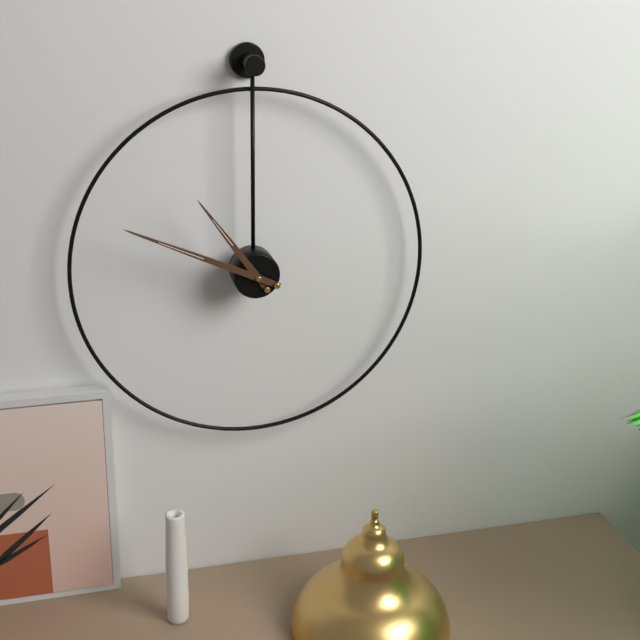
h=10 m=49
